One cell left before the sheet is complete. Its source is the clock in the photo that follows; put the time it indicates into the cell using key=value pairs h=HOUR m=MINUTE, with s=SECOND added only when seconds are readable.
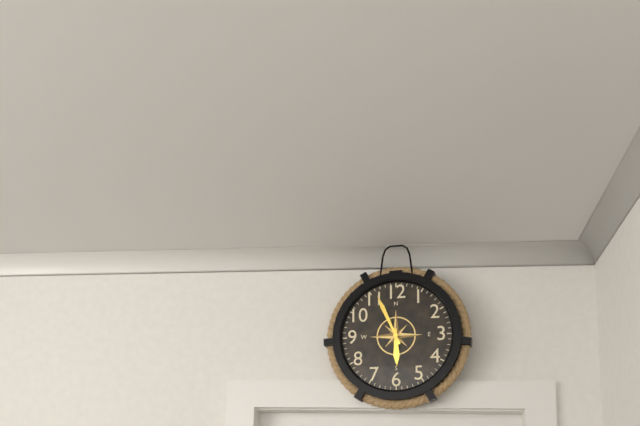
h=5 m=56
